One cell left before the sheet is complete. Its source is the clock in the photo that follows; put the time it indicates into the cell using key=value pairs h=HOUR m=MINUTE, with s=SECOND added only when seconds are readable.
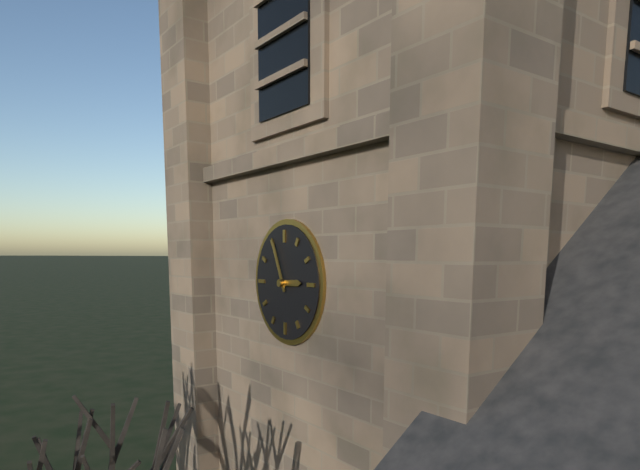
h=2 m=56
